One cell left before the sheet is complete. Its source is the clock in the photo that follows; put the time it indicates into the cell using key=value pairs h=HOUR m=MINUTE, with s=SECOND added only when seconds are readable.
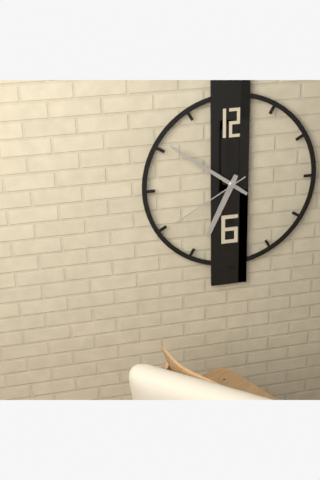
h=6 m=51 s=40
